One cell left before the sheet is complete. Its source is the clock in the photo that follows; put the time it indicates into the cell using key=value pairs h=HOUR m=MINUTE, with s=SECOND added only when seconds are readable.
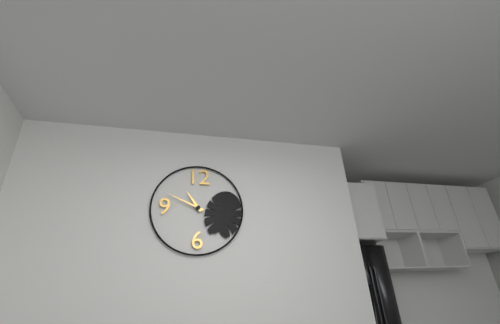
h=10 m=49
